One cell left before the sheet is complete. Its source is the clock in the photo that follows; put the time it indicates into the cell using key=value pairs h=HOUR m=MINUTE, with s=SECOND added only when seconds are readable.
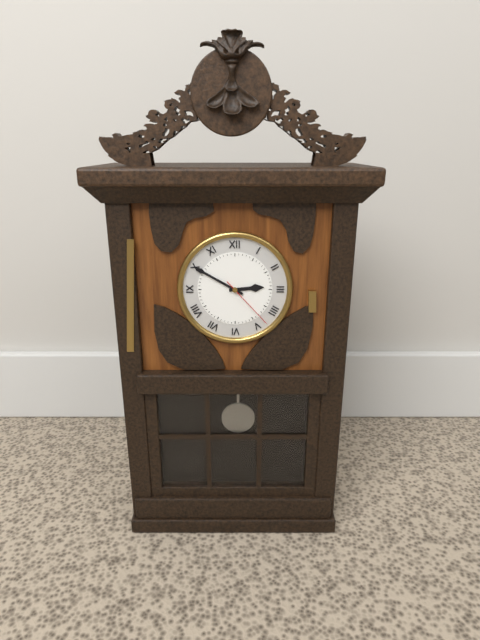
h=2 m=50 s=23
